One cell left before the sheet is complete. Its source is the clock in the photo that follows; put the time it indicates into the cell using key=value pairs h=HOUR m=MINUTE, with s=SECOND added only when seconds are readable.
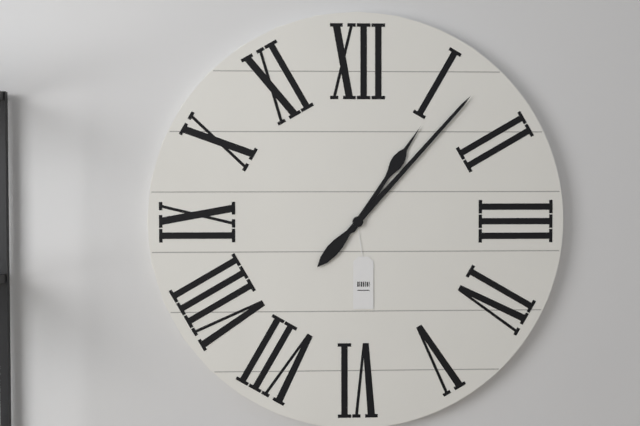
h=1 m=7
